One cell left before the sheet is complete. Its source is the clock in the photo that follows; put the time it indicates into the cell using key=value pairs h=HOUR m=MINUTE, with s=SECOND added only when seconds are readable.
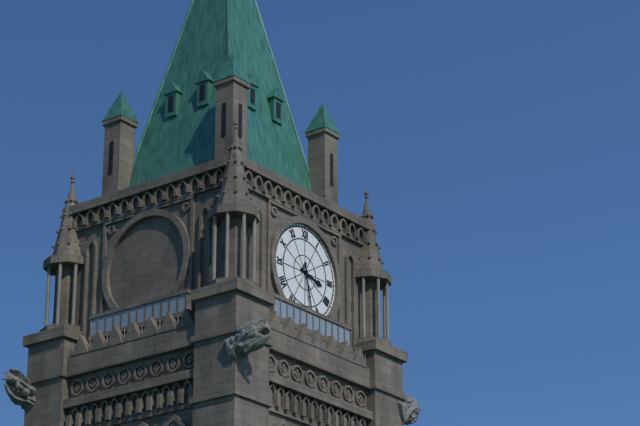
h=3 m=28
